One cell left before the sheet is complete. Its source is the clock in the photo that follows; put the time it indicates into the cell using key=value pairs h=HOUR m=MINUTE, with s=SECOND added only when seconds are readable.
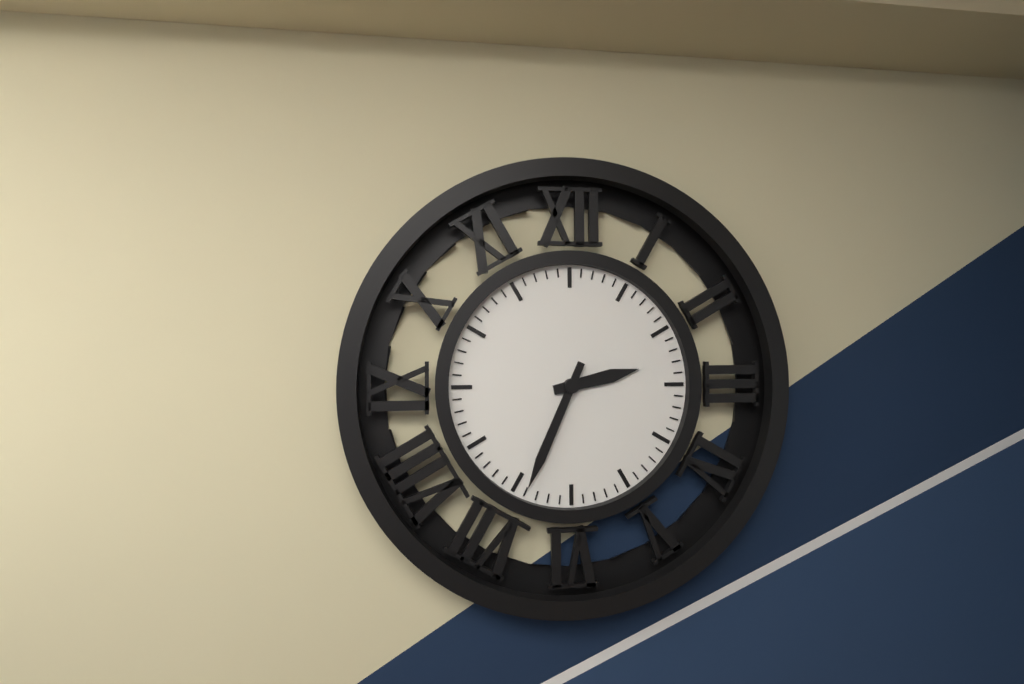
h=2 m=34
